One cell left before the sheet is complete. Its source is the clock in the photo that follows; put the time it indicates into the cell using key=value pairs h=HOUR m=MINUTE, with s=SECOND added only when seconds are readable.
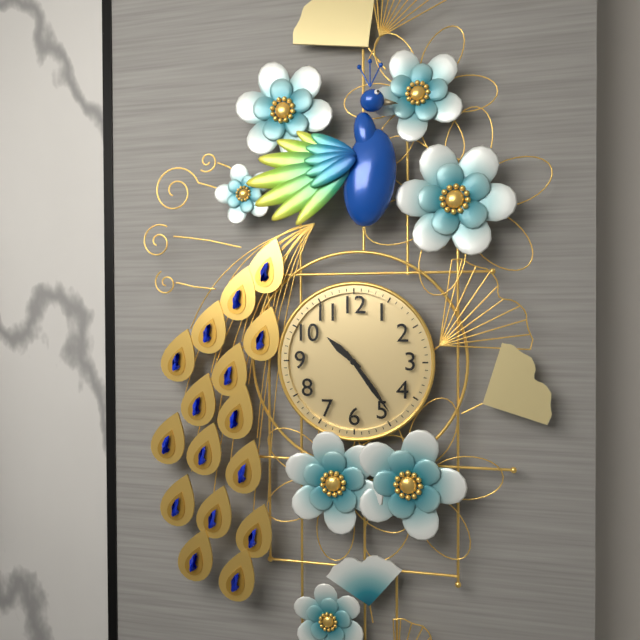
h=10 m=24
